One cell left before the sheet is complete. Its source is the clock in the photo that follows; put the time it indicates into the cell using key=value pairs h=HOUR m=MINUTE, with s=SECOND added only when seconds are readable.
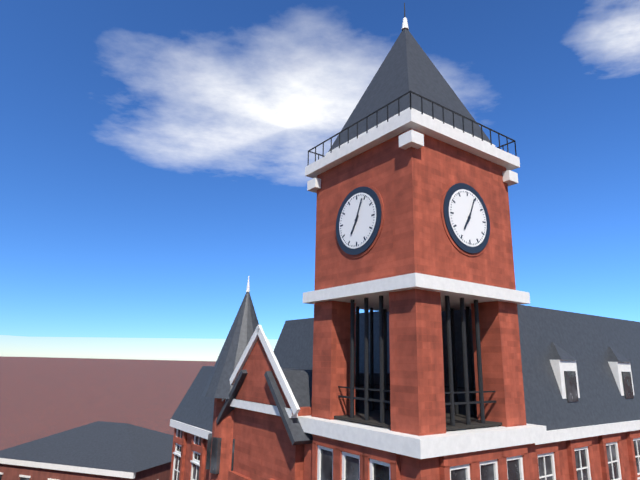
h=7 m=4
